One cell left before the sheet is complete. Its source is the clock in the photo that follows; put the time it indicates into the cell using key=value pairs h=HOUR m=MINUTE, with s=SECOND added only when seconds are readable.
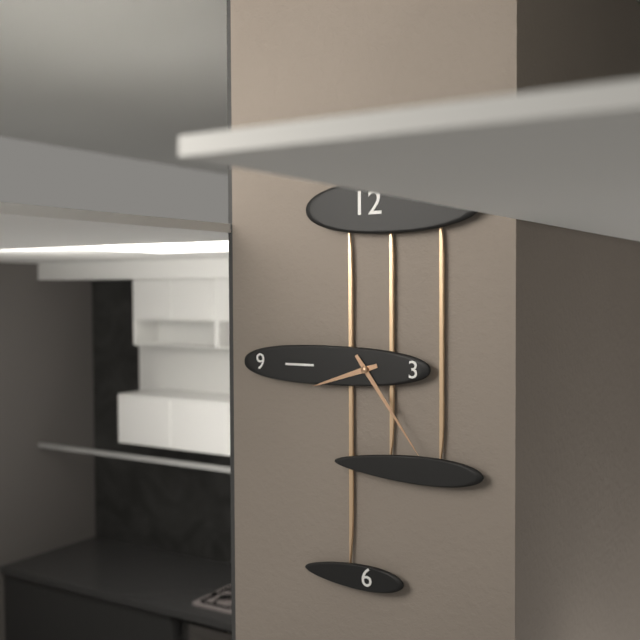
h=8 m=24
